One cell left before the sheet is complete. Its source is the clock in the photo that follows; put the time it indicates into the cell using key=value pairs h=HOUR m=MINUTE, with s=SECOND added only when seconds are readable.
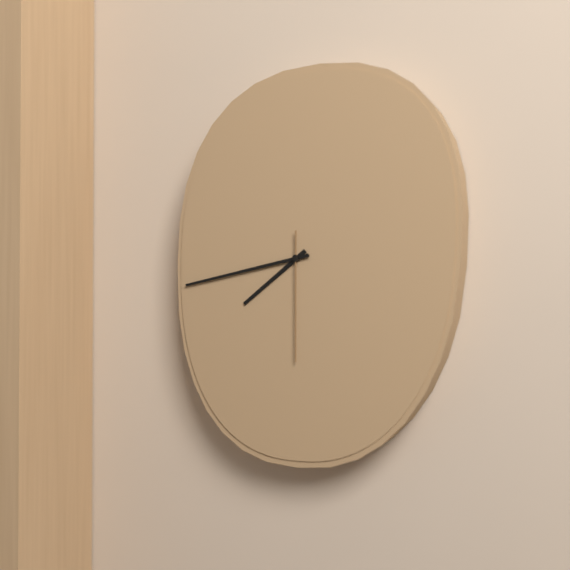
h=7 m=43 s=30
